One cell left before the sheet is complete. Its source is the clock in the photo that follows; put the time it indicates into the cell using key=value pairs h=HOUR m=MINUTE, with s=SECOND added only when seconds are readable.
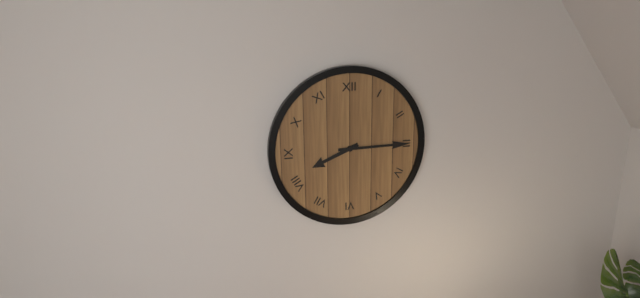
h=8 m=15
